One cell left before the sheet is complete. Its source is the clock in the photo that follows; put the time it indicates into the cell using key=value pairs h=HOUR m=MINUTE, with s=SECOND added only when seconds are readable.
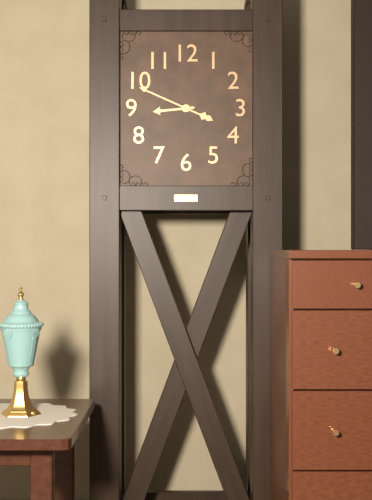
h=8 m=49
